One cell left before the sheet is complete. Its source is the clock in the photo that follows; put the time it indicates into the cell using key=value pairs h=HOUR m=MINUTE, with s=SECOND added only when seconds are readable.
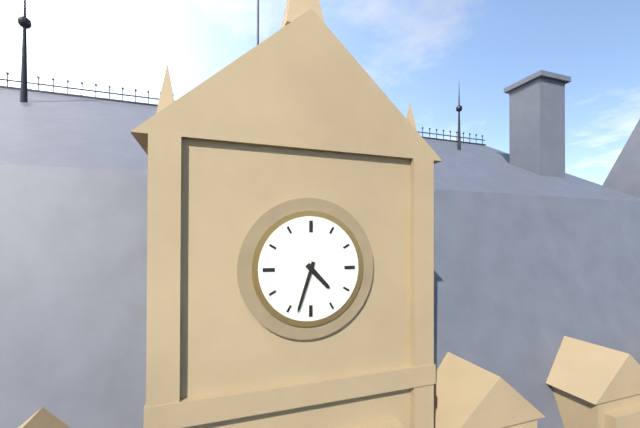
h=4 m=33
